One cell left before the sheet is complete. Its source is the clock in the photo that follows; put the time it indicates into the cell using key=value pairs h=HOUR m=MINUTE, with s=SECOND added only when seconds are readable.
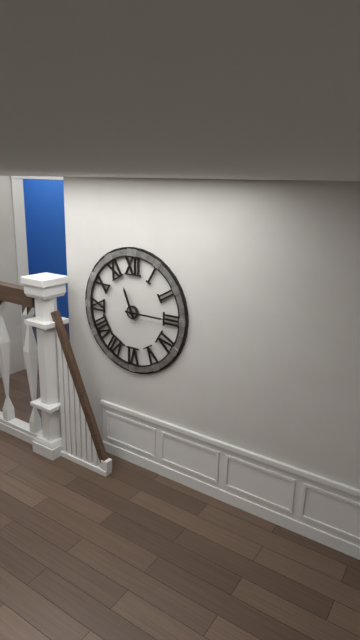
h=11 m=15
